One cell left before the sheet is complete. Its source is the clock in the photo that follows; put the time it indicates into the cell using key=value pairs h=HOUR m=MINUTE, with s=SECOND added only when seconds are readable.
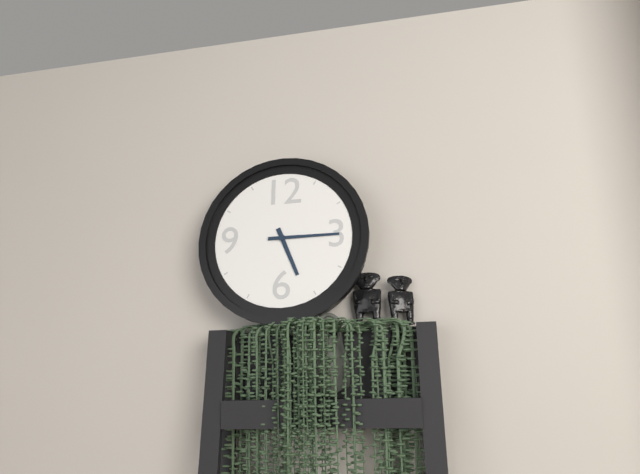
h=5 m=15
